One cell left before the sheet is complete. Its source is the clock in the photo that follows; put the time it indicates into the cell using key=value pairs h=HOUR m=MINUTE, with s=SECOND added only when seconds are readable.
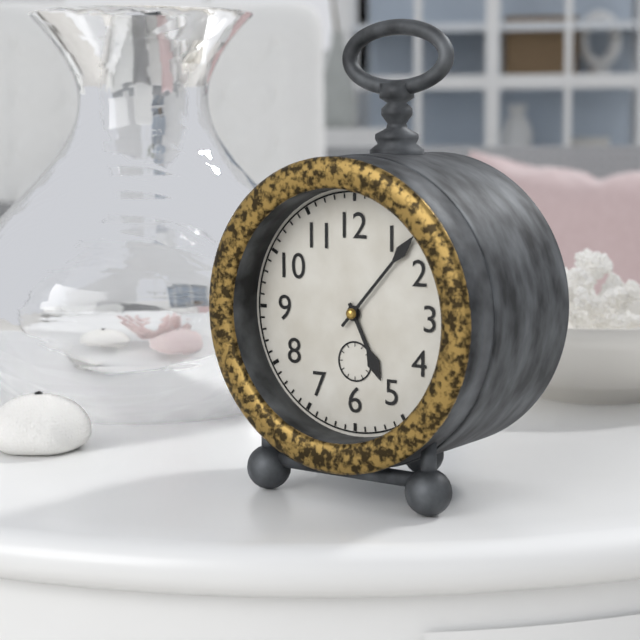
h=5 m=7
